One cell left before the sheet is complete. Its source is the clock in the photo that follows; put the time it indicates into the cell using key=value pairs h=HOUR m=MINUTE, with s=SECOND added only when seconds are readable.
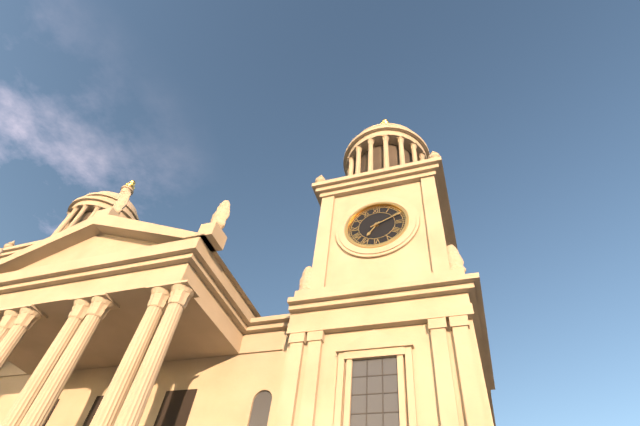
h=7 m=11
